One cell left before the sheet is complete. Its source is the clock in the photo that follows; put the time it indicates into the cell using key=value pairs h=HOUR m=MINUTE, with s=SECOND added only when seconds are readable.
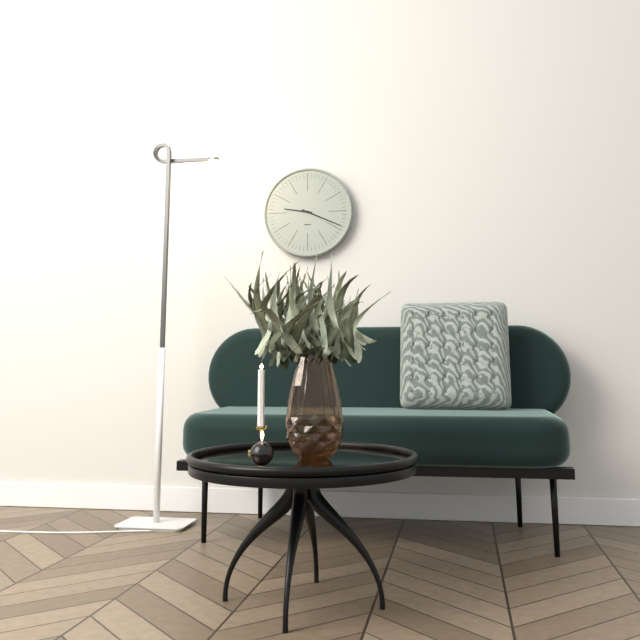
h=9 m=19
